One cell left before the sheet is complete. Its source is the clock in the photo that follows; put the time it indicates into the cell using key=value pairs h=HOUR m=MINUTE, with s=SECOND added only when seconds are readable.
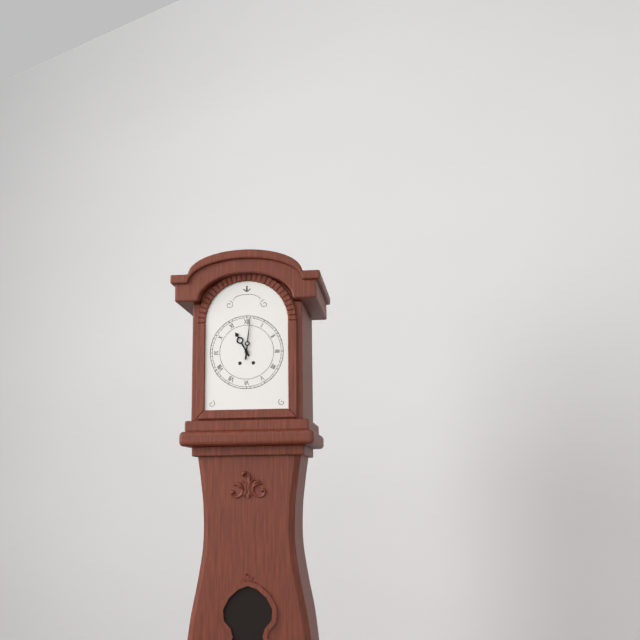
h=11 m=1
